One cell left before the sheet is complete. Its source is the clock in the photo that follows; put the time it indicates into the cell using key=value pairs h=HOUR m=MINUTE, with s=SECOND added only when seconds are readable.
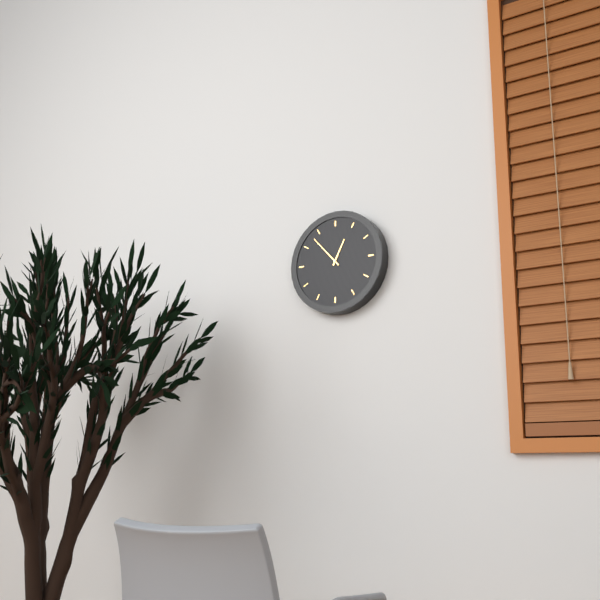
h=12 m=53
